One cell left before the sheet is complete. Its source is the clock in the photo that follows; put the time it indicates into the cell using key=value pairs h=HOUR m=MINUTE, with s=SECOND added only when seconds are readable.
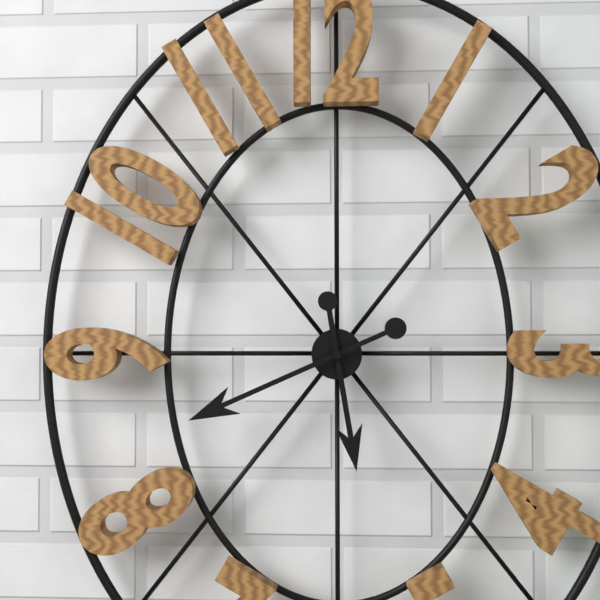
h=5 m=41
